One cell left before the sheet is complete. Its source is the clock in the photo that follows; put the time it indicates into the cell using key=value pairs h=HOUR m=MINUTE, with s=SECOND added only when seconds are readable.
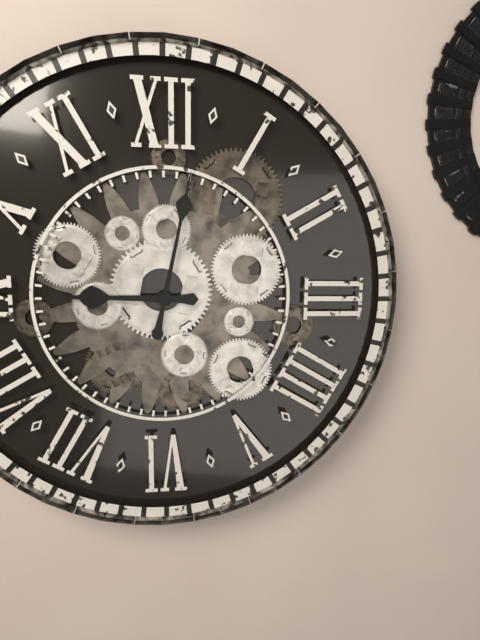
h=9 m=2
